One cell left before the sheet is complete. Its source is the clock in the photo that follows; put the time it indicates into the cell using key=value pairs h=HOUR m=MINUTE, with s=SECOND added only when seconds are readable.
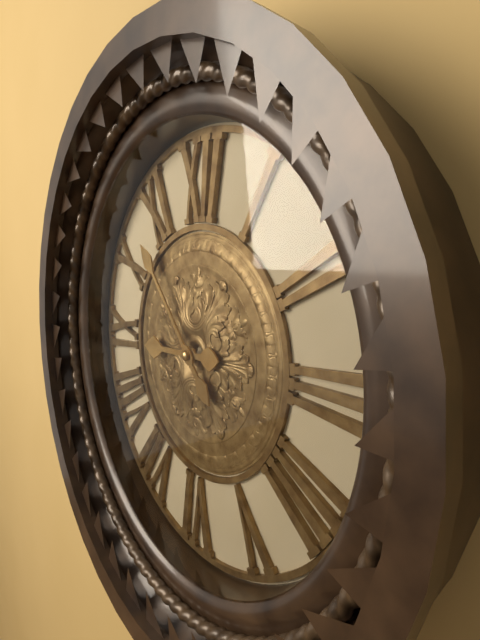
h=8 m=53
